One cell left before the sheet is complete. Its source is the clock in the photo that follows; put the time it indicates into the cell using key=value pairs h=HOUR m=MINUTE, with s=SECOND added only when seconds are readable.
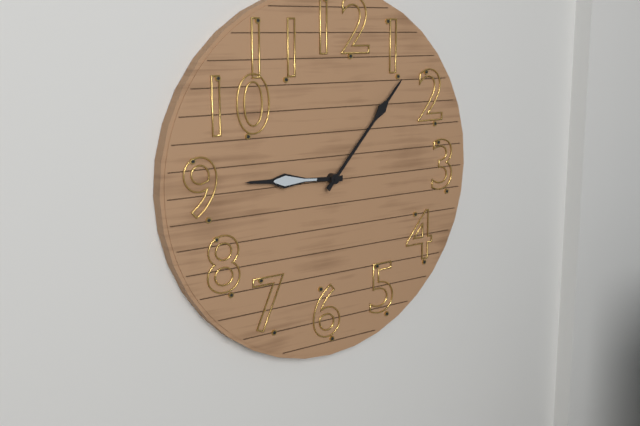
h=9 m=7
